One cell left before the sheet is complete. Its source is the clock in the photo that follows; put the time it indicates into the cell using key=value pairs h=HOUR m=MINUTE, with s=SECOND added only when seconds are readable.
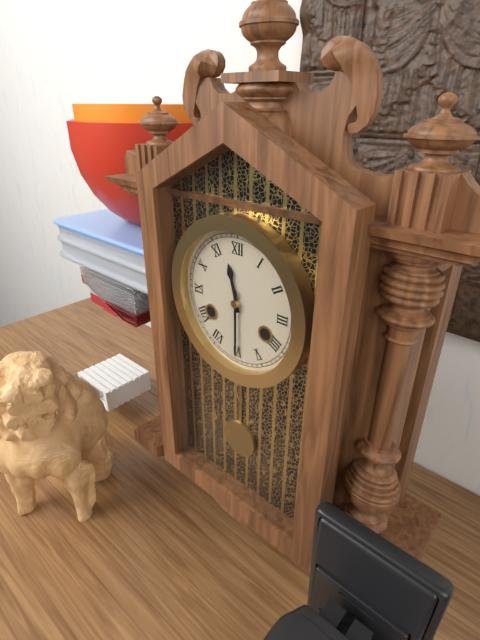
h=11 m=30
